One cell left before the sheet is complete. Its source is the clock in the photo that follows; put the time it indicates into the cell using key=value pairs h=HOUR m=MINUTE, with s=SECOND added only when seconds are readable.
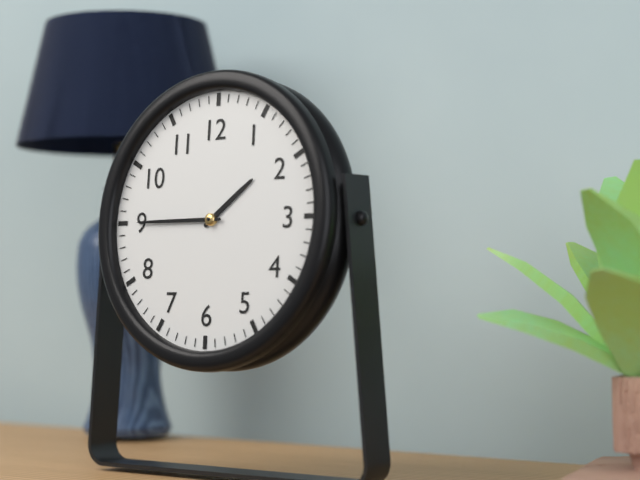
h=1 m=45
